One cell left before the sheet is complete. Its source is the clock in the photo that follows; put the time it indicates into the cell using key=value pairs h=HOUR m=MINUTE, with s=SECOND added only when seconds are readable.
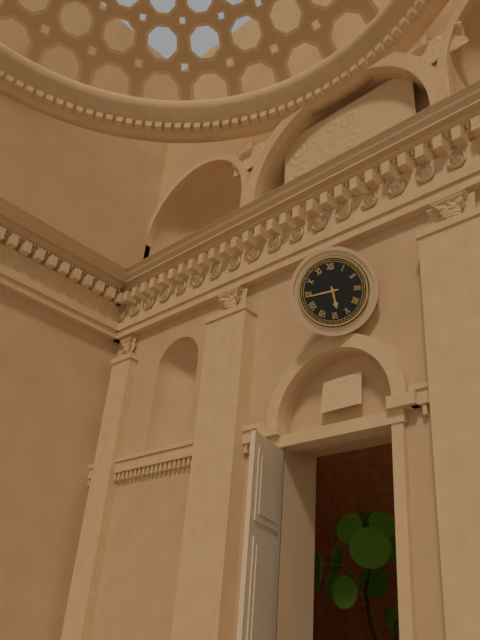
h=5 m=44
